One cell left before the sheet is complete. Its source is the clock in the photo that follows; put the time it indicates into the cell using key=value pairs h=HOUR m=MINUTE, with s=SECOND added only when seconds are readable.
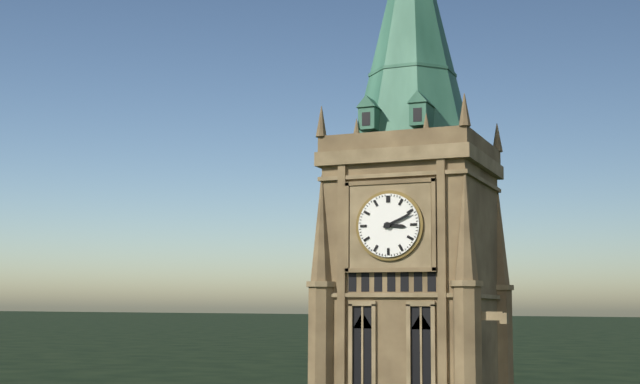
h=3 m=11
